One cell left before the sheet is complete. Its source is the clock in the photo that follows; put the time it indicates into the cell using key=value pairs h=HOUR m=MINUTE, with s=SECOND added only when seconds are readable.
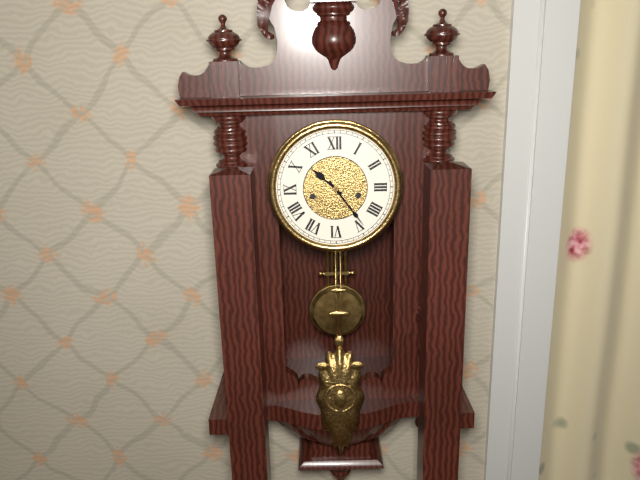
h=10 m=24
